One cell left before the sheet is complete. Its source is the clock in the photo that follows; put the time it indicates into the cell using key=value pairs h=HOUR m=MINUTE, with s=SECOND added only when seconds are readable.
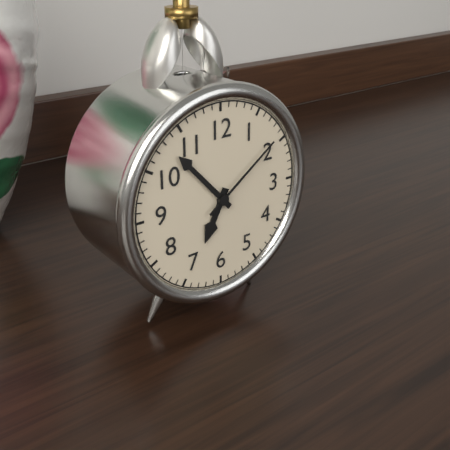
h=6 m=53 s=9
